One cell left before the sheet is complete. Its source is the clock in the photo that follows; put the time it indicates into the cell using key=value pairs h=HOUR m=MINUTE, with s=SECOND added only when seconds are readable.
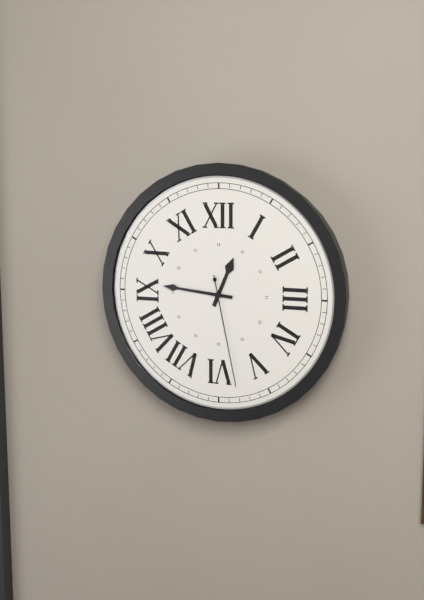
h=12 m=46 s=28
